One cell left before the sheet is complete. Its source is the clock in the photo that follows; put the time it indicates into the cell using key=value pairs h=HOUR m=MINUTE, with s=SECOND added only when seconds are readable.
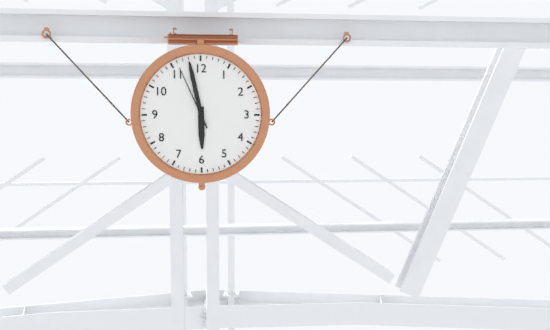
h=5 m=58 s=56
